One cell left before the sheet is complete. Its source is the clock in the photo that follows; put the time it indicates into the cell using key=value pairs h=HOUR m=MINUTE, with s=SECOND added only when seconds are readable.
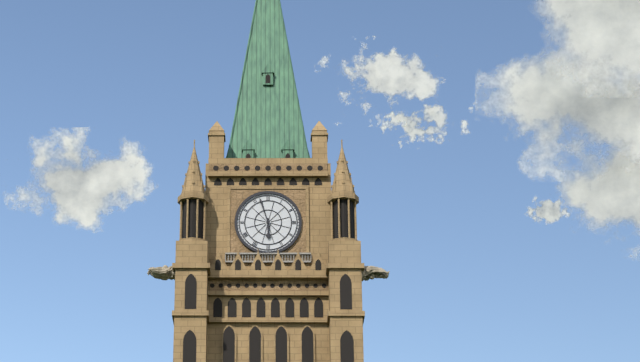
h=5 m=57
